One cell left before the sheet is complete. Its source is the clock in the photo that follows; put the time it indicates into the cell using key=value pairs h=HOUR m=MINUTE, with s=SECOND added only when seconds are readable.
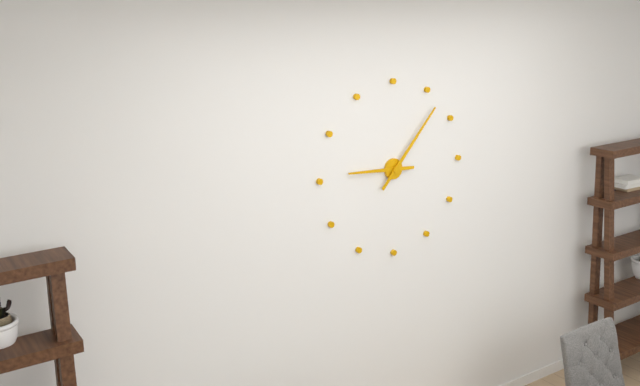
h=9 m=7
